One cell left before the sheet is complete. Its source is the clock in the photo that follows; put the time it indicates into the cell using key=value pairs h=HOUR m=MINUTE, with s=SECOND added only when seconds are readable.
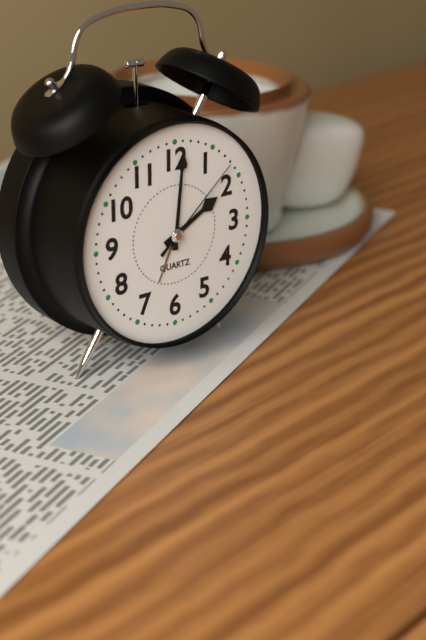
h=2 m=1 s=8
